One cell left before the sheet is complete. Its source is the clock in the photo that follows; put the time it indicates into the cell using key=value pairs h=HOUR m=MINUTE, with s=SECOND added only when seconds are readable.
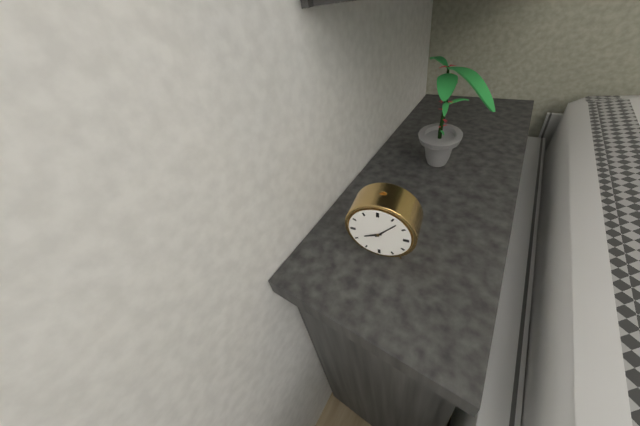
h=8 m=7
